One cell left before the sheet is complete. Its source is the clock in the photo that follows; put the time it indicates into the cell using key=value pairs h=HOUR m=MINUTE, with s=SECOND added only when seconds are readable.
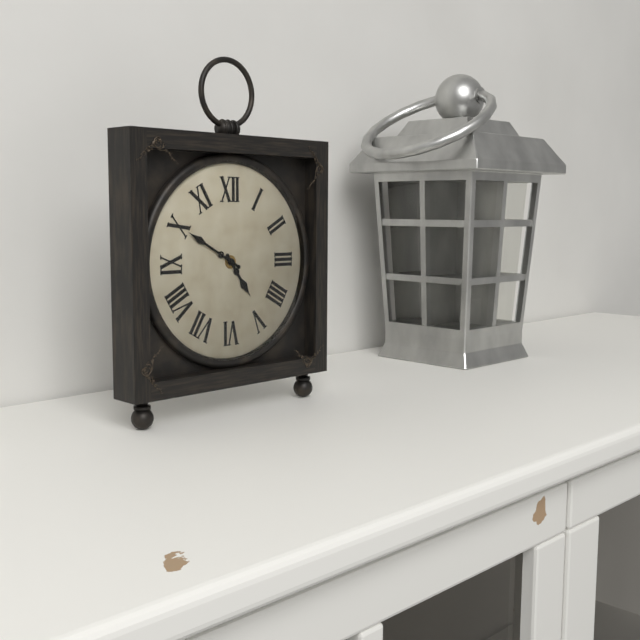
h=4 m=50
